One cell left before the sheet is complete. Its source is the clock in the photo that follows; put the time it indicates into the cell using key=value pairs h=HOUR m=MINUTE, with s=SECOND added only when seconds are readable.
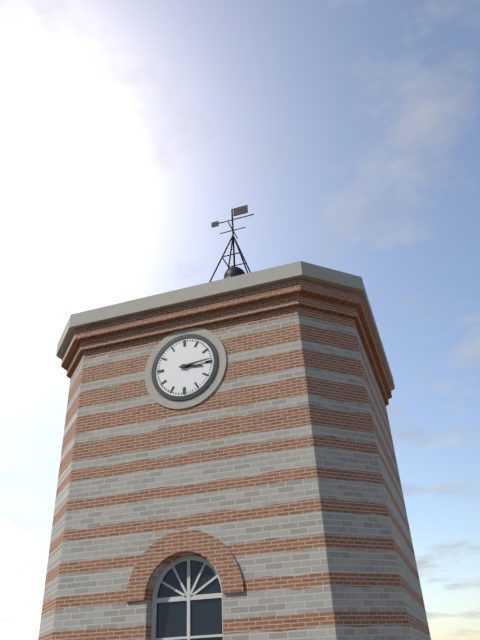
h=3 m=14
